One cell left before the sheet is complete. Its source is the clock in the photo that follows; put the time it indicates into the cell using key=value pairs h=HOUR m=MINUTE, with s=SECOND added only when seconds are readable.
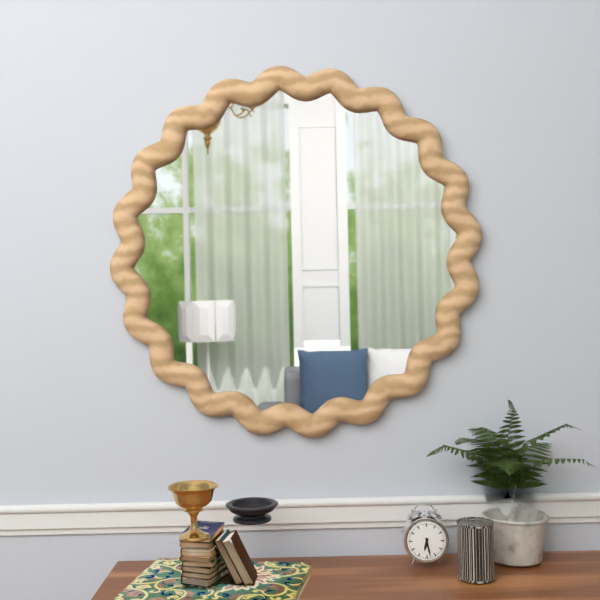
h=6 m=28
